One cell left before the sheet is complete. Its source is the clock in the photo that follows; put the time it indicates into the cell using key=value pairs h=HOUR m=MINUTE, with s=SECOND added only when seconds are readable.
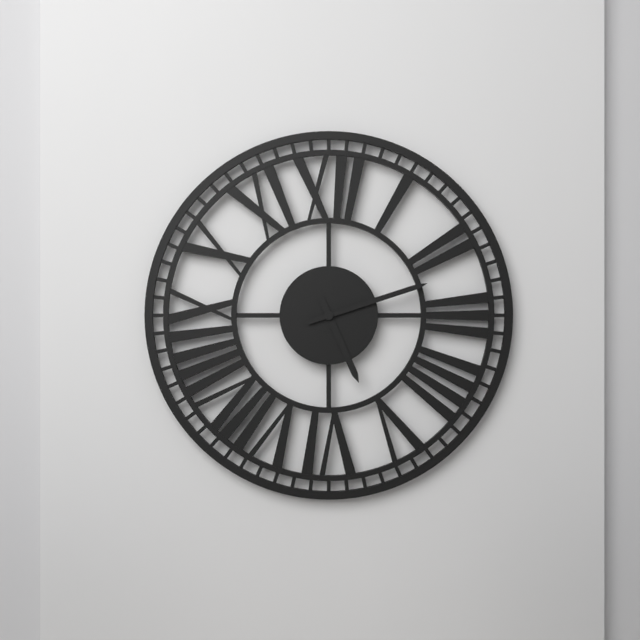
h=5 m=12
